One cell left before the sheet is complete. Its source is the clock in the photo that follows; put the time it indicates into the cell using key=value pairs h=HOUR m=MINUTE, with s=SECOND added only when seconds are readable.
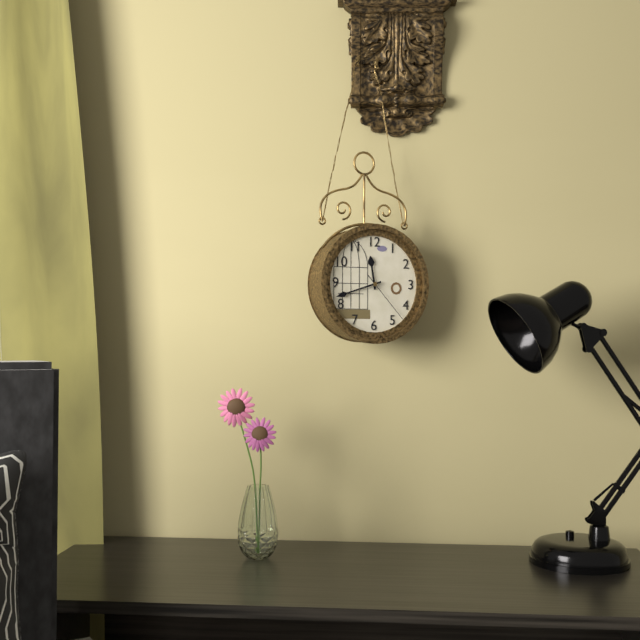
h=11 m=42 s=23
